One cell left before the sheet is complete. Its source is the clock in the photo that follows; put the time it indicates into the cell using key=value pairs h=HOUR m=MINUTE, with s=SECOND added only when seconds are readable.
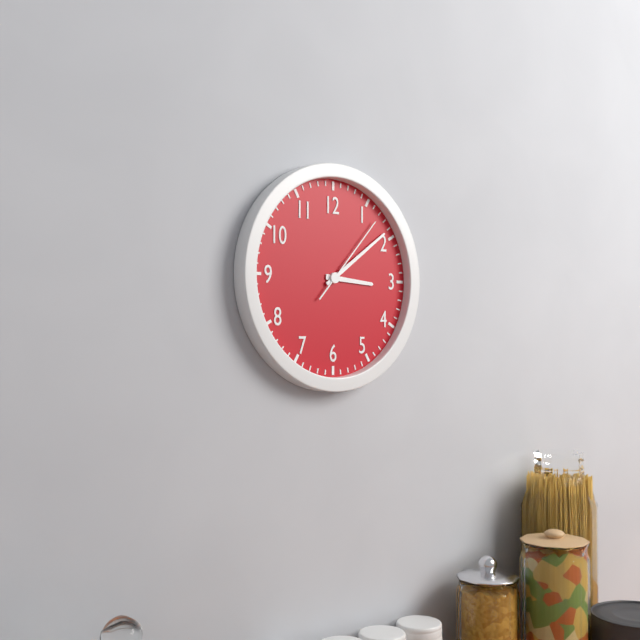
h=3 m=9 s=7
